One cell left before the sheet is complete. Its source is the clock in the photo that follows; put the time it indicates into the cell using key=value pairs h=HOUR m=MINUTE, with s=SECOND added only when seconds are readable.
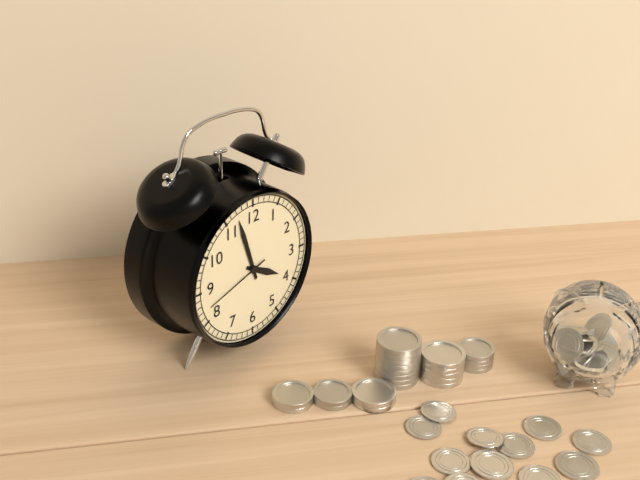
h=3 m=57 s=42
